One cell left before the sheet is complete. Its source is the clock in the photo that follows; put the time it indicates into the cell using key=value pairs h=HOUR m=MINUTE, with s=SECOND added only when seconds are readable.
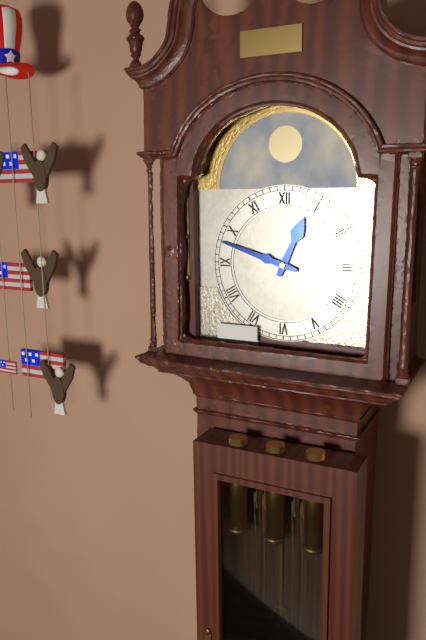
h=12 m=48
